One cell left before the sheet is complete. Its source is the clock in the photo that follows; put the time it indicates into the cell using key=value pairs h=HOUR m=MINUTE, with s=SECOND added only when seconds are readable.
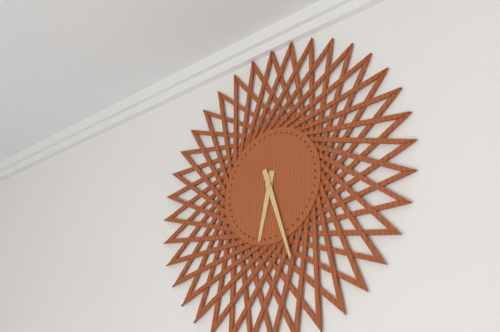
h=6 m=27
